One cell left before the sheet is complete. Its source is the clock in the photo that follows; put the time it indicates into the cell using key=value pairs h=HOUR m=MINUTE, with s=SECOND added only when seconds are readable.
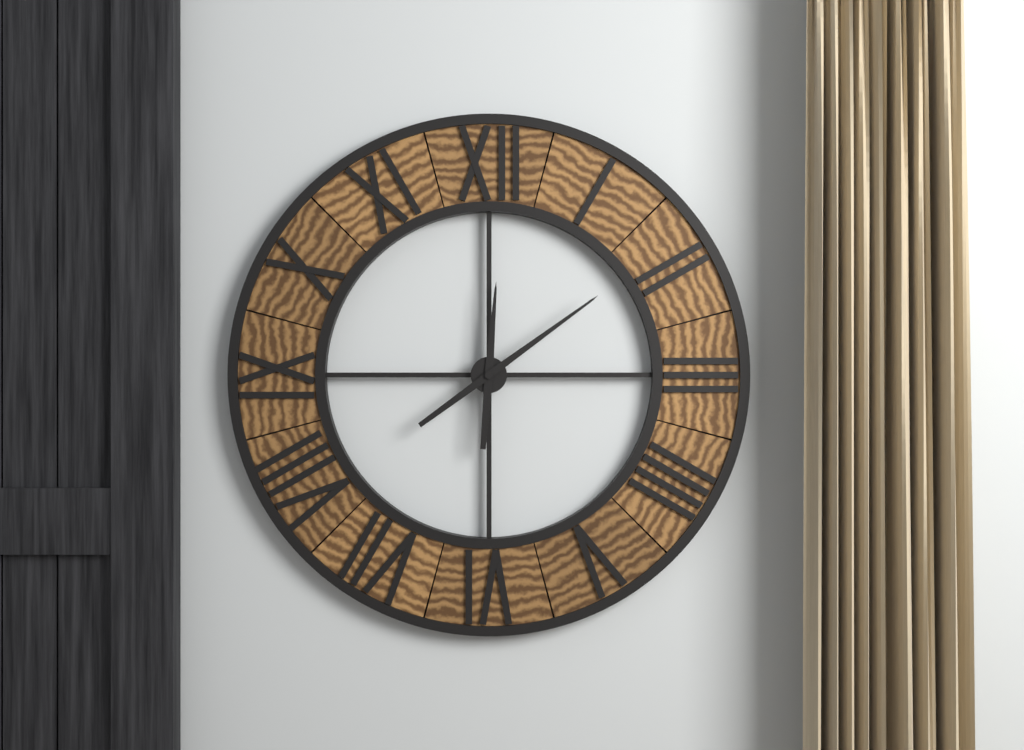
h=12 m=9
